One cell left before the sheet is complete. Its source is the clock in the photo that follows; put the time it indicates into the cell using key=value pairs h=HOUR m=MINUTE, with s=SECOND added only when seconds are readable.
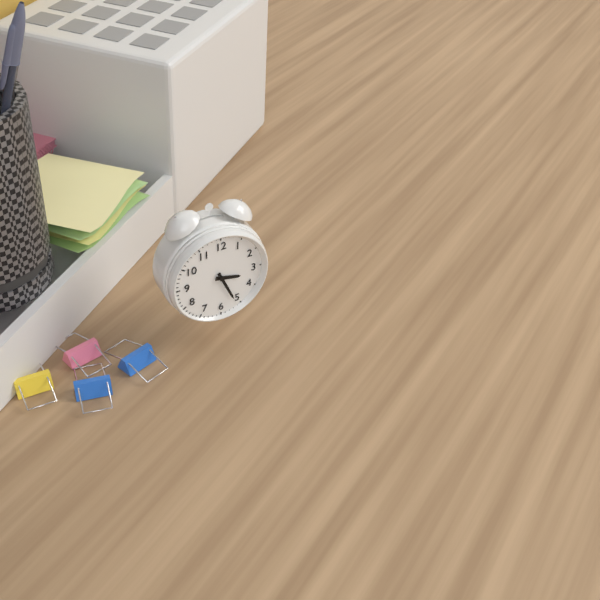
h=3 m=26
